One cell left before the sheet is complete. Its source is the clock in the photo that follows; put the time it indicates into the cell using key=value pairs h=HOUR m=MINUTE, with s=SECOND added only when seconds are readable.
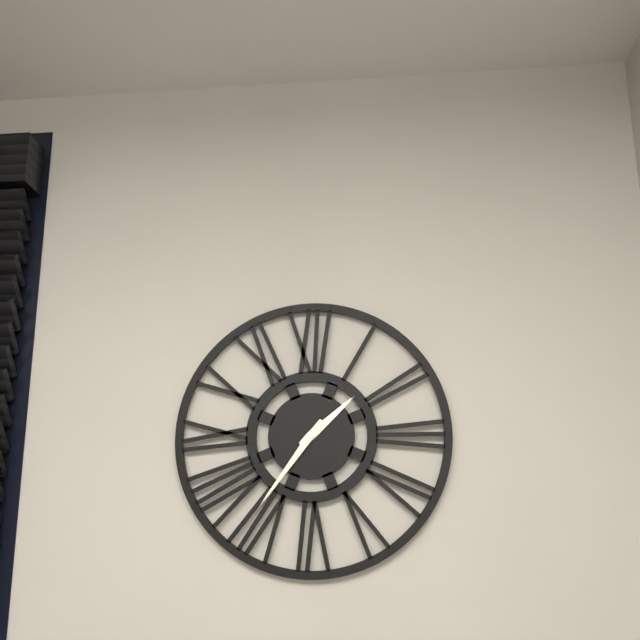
h=1 m=36
